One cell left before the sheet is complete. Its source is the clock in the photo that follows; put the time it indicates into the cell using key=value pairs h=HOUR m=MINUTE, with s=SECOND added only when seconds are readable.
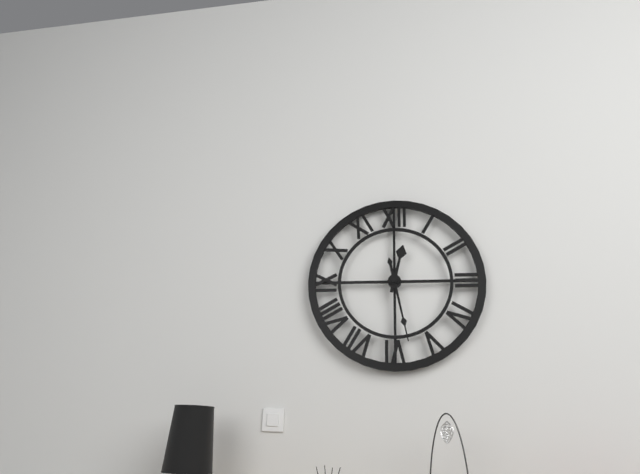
h=12 m=28
